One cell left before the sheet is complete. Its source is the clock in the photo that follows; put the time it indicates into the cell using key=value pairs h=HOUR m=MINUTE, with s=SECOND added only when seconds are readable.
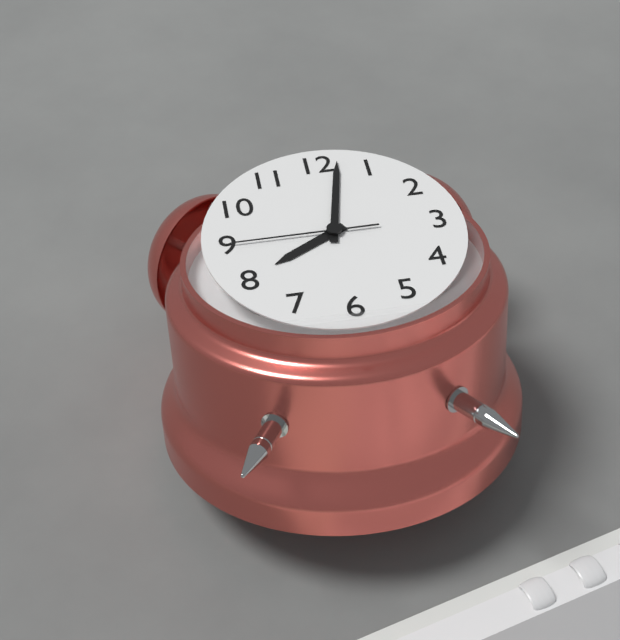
h=8 m=2 s=45
